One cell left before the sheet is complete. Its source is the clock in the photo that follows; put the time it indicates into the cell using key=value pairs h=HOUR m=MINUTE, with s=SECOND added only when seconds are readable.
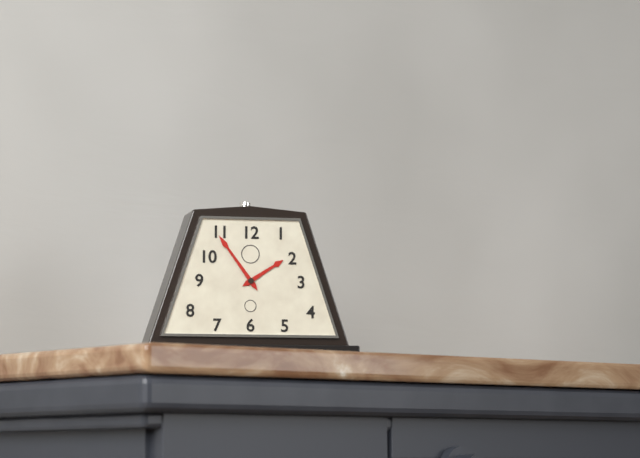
h=1 m=54
